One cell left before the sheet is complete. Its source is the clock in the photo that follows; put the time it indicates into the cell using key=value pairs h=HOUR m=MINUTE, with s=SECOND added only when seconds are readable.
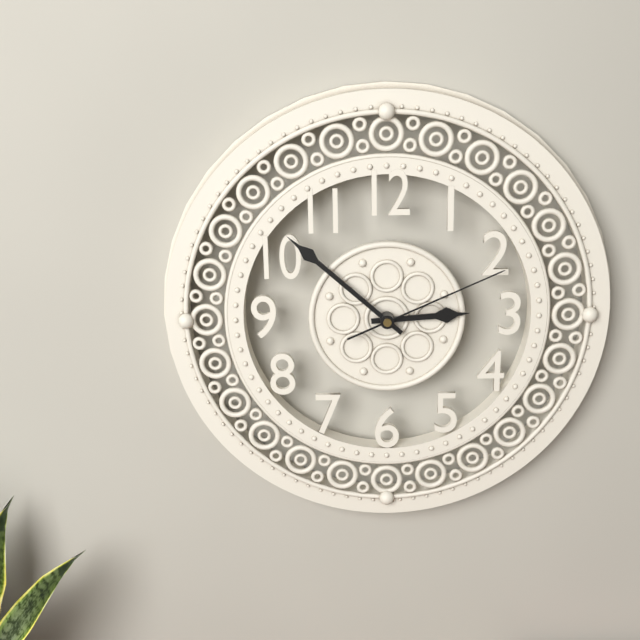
h=2 m=52 s=11
